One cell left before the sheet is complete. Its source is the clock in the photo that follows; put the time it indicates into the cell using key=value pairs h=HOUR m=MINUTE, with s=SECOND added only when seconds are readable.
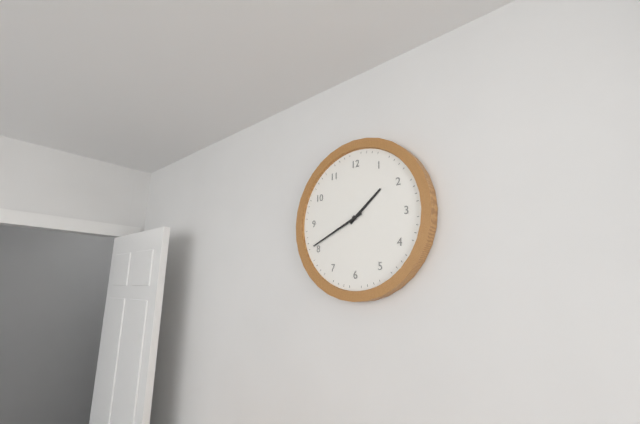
h=1 m=41
